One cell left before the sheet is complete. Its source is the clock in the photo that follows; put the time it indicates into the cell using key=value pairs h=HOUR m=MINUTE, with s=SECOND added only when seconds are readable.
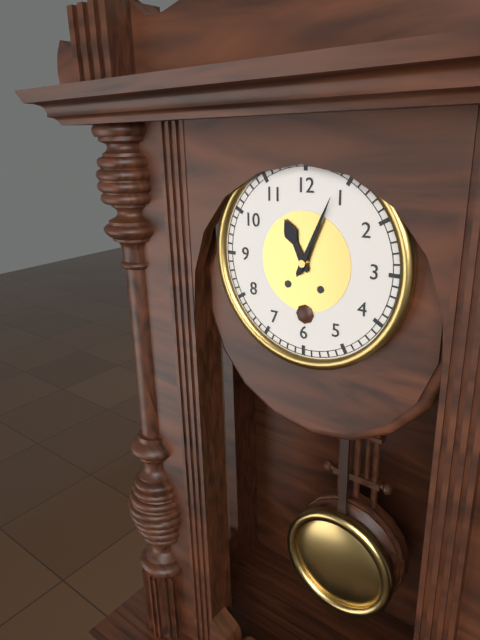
h=11 m=4
